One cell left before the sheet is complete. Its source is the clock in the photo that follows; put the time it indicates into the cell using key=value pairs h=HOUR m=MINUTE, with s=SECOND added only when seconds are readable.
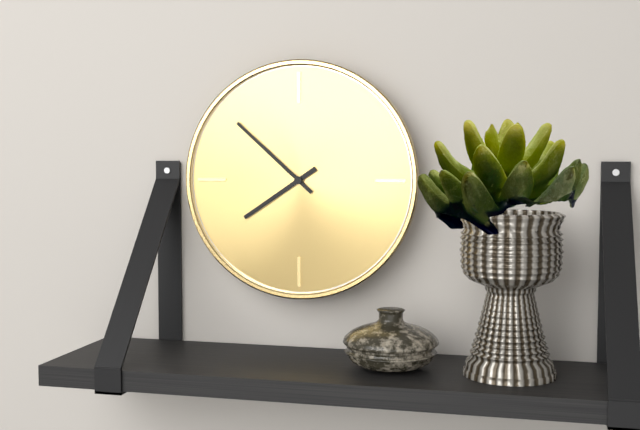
h=7 m=52
